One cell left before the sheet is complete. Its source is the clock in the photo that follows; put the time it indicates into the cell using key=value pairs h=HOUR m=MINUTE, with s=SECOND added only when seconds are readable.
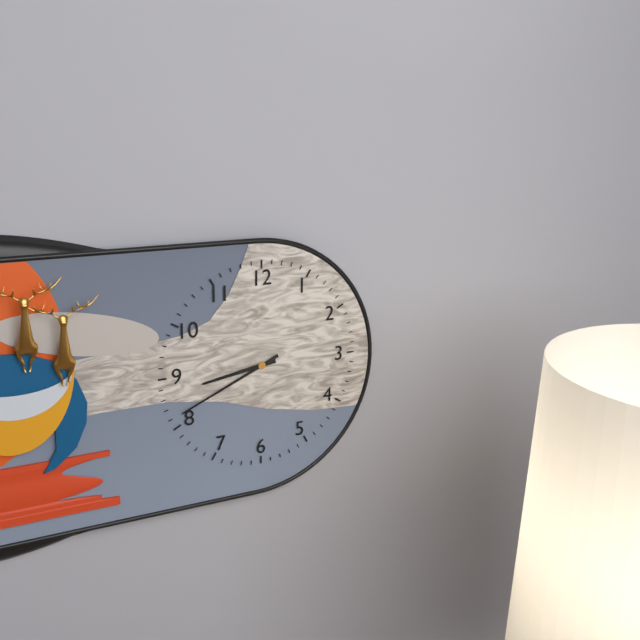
h=8 m=41
